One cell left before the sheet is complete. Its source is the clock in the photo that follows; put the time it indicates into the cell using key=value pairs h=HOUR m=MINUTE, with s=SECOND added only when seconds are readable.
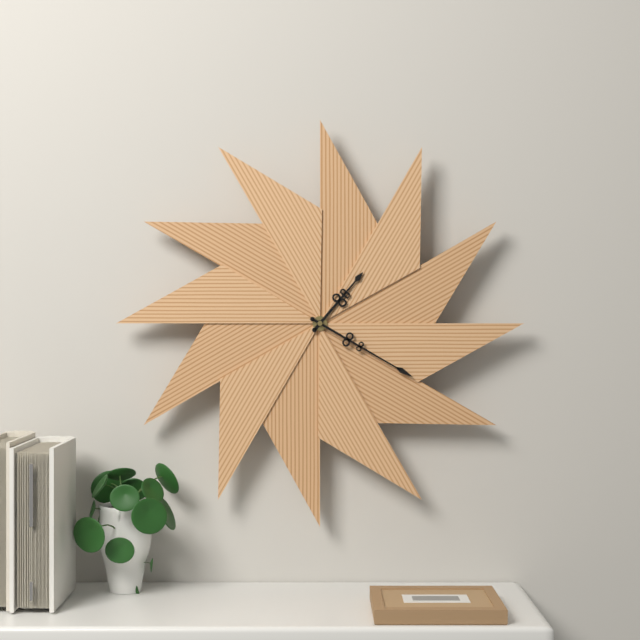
h=1 m=20
